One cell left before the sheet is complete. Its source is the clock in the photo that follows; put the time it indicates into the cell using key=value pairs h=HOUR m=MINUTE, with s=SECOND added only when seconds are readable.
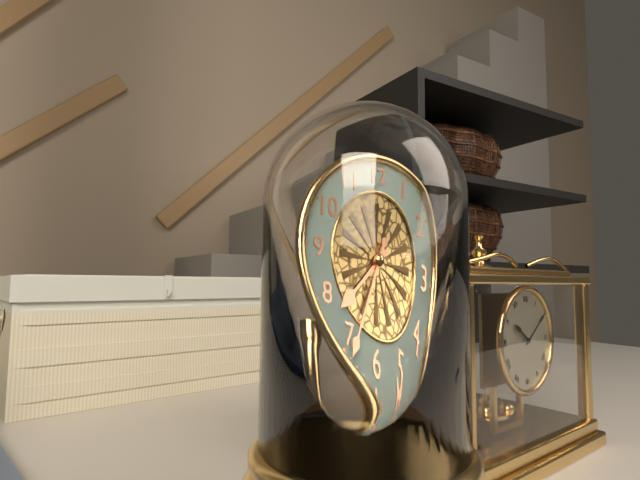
h=7 m=34
